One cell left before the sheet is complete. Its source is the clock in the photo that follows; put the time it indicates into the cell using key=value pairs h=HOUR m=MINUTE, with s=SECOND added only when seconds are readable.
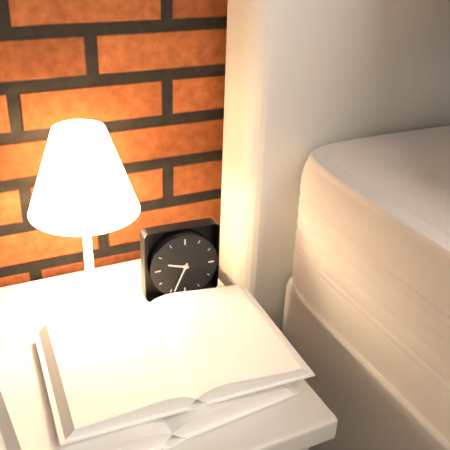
h=9 m=34
